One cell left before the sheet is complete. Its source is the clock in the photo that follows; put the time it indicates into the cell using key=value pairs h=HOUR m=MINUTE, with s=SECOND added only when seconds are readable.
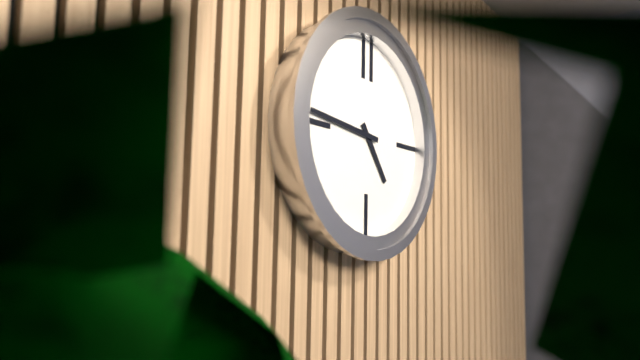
h=4 m=46
